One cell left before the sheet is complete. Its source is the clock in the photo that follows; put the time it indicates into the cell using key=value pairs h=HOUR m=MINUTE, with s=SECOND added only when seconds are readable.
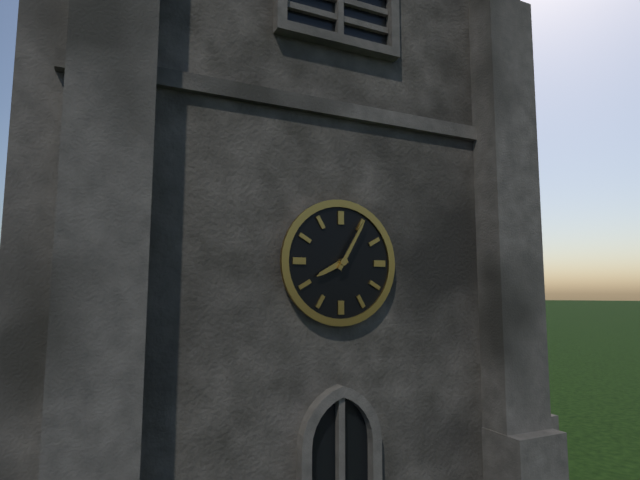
h=8 m=5
